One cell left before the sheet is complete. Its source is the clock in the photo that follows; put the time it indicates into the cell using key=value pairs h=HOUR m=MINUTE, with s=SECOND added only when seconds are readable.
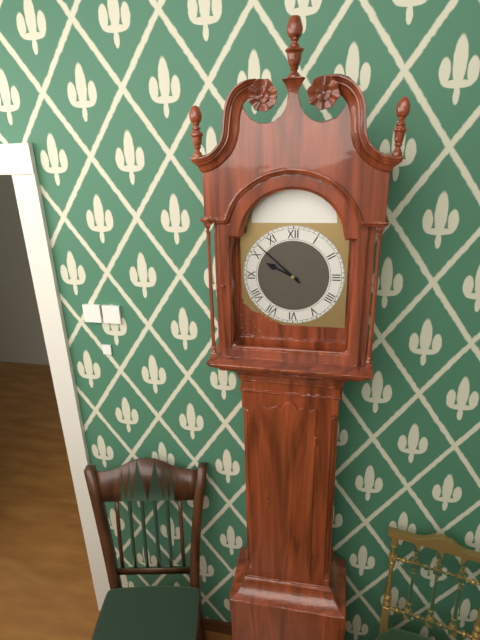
h=9 m=52
